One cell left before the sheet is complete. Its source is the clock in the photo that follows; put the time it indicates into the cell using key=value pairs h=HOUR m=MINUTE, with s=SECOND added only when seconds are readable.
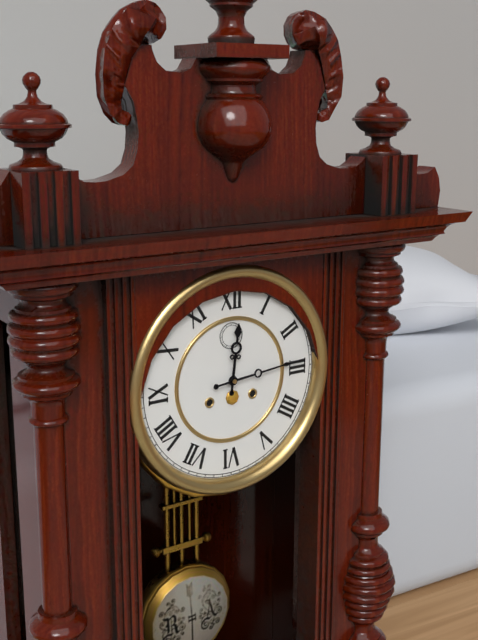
h=12 m=14
